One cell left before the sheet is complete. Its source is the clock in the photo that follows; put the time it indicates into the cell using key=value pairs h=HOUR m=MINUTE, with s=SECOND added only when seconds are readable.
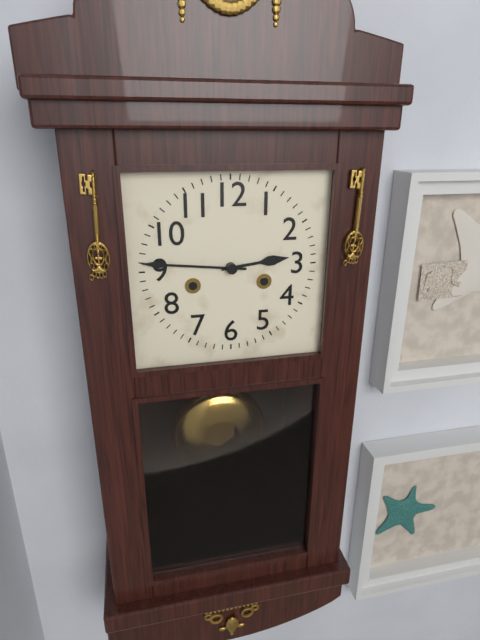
h=2 m=46
